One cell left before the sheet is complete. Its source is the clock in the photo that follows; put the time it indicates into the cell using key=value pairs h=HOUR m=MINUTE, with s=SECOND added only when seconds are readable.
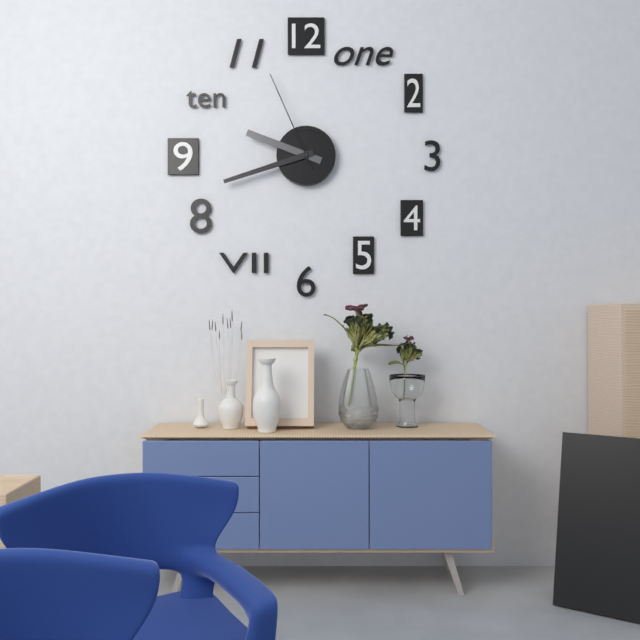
h=9 m=42 s=56
